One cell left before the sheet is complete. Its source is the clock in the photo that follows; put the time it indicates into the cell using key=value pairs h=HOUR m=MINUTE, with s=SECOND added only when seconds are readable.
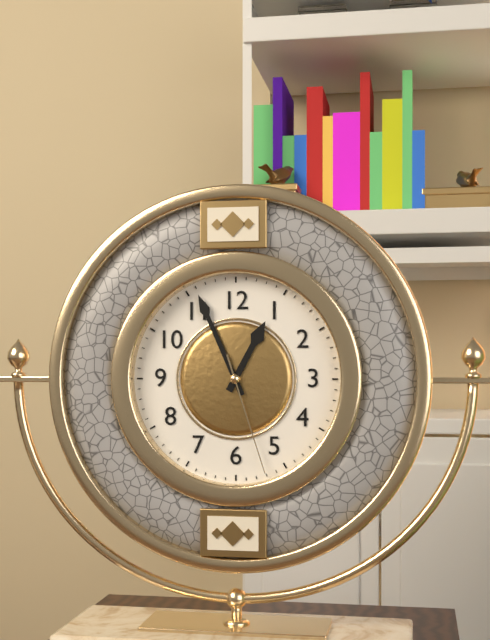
h=12 m=56 s=27
